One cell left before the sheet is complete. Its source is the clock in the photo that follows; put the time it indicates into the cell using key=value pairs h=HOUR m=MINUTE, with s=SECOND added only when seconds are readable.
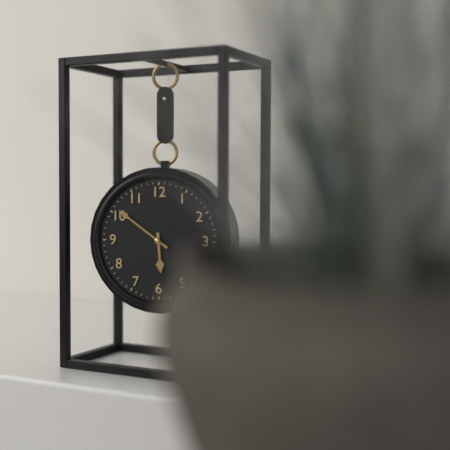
h=5 m=51
